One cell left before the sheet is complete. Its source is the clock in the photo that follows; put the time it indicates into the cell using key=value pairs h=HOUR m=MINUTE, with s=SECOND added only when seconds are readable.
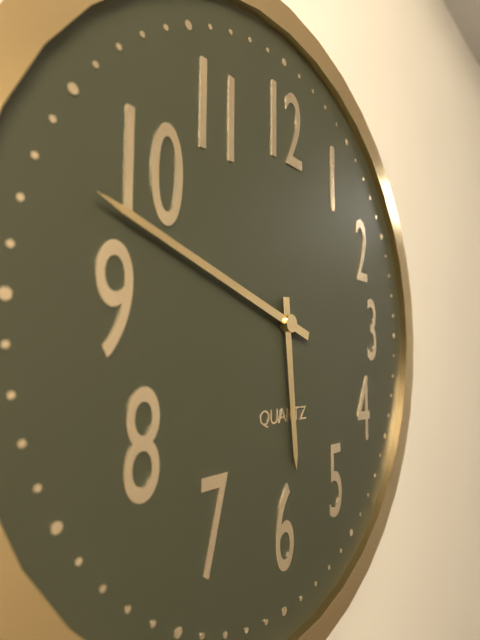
h=5 m=48
